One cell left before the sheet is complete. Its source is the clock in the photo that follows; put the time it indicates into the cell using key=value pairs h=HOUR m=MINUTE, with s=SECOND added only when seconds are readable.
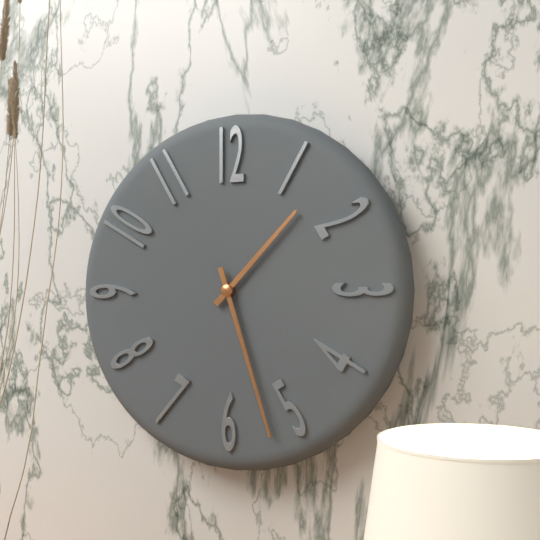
h=1 m=27
